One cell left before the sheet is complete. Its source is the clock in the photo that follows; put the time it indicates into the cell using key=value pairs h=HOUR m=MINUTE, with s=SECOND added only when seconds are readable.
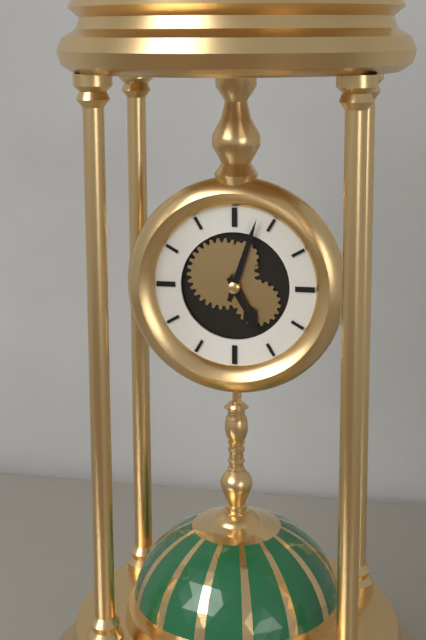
h=5 m=3
